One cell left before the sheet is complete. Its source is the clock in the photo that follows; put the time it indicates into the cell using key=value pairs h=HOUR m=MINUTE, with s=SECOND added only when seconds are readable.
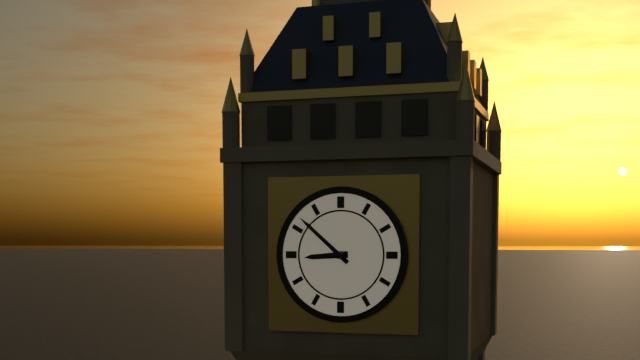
h=8 m=52
